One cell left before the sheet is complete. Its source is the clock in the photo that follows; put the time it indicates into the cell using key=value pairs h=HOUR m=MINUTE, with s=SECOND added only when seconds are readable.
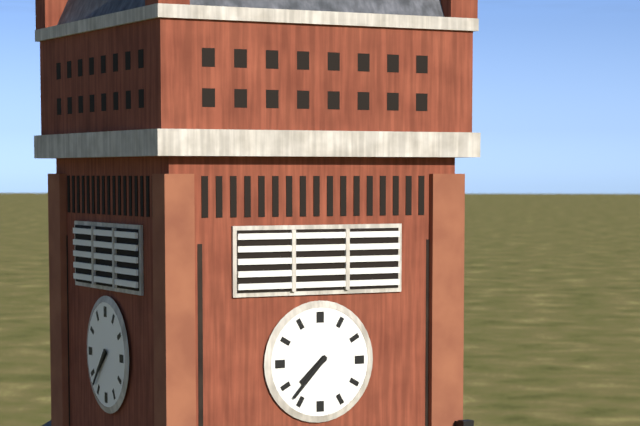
h=7 m=37
